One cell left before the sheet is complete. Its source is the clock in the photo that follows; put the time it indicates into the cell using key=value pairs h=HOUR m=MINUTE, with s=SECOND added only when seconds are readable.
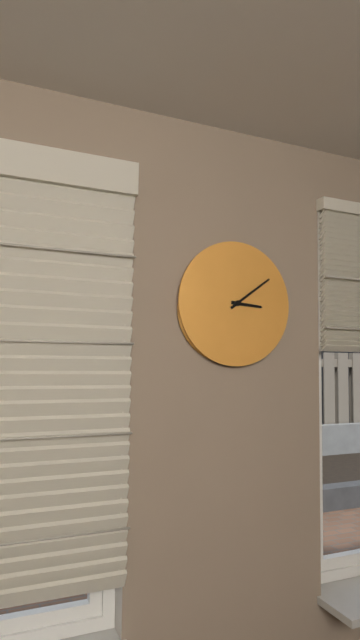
h=3 m=9
